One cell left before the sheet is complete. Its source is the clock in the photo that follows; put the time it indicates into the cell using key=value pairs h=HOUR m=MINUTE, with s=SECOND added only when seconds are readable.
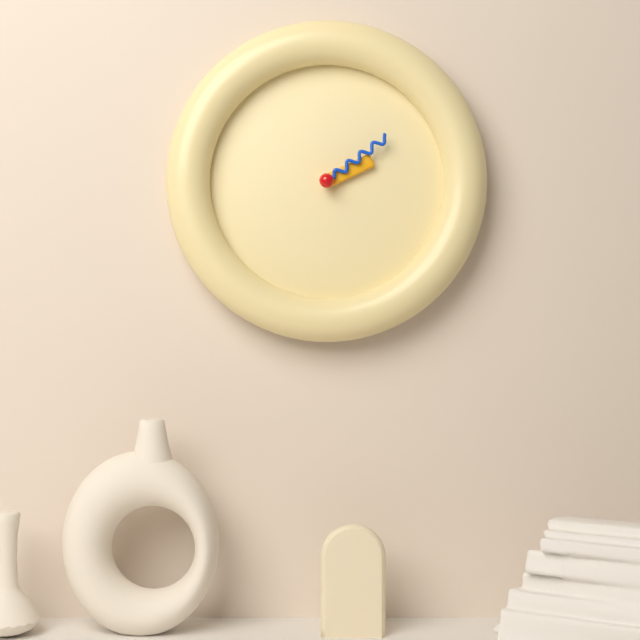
h=2 m=9
